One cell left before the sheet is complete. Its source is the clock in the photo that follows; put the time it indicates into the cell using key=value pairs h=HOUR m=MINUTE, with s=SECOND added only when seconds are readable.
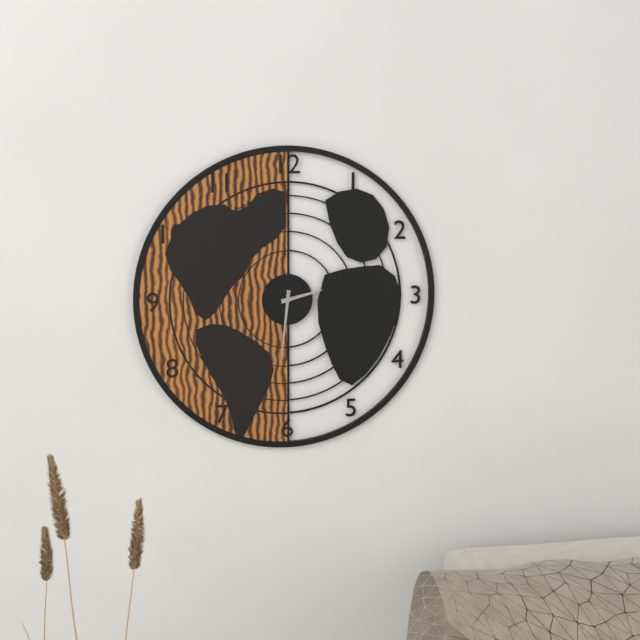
h=2 m=31
